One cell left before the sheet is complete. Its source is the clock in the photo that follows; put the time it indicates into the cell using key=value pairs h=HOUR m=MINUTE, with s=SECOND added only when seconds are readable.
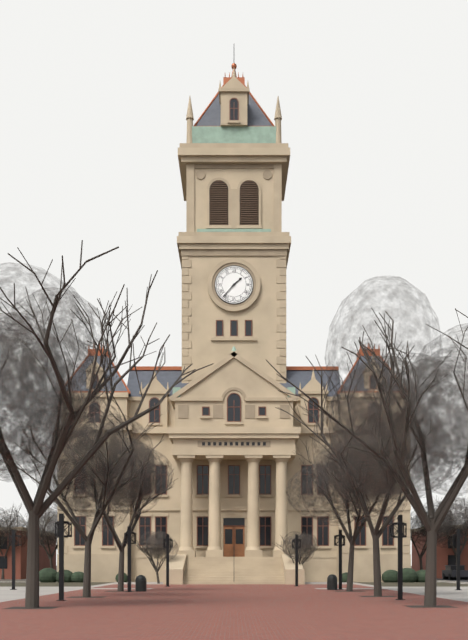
h=1 m=37
